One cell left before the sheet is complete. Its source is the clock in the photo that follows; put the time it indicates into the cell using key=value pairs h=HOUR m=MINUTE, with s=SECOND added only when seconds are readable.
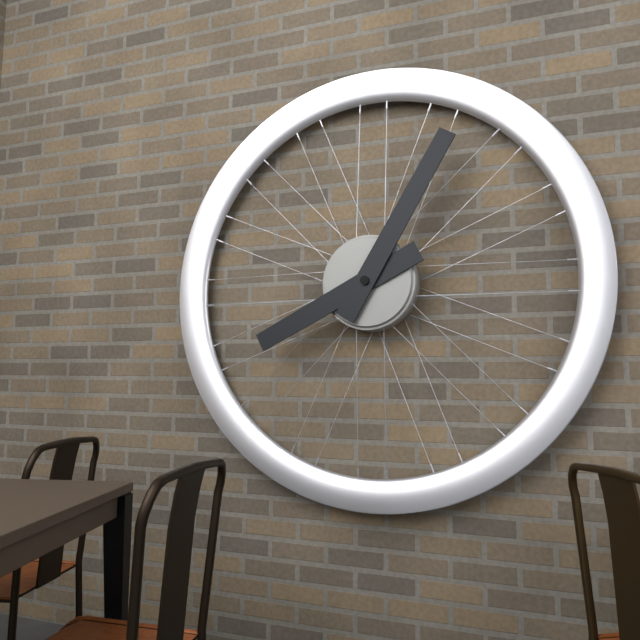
h=8 m=5
